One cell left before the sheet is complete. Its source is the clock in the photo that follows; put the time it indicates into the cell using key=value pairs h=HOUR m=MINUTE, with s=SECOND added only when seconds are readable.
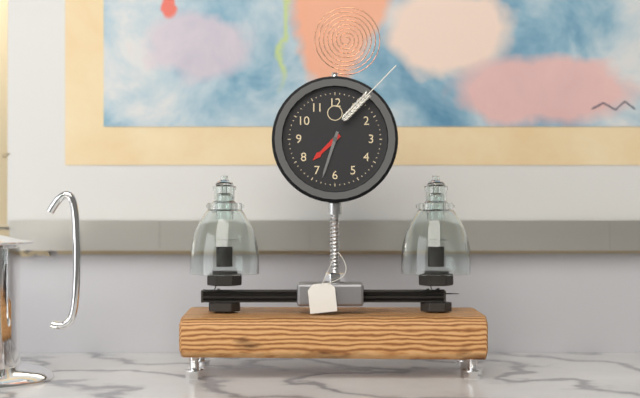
h=7 m=33
